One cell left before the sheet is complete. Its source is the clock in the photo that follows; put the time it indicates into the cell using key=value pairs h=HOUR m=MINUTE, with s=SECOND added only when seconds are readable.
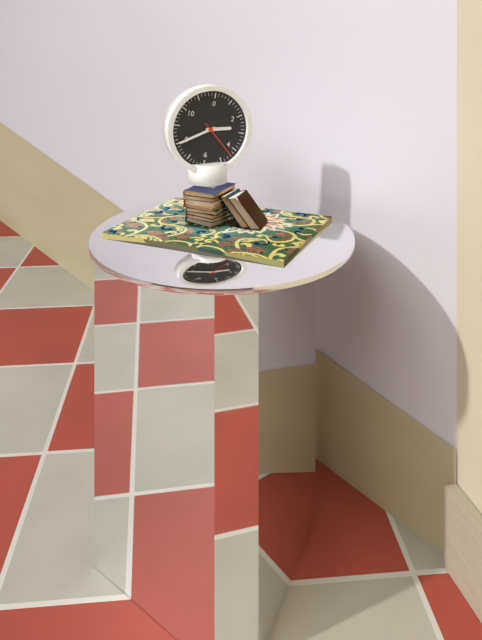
h=2 m=40
